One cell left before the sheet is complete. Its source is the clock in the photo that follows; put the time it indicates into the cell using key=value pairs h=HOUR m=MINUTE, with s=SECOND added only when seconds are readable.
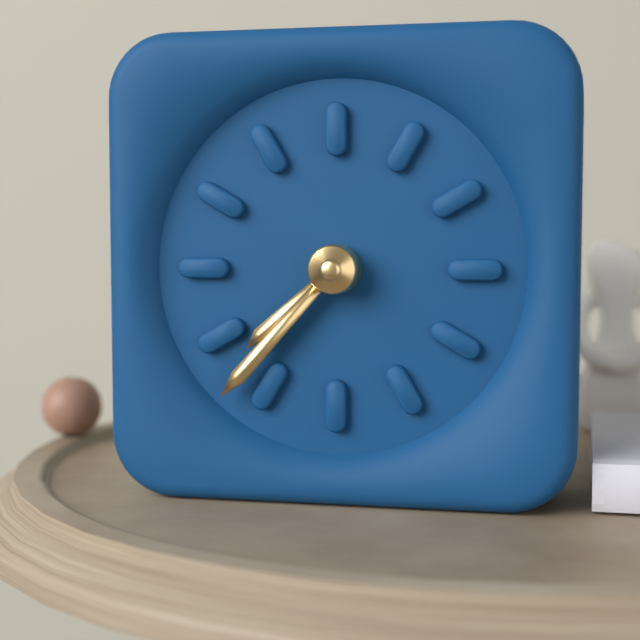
h=7 m=37
